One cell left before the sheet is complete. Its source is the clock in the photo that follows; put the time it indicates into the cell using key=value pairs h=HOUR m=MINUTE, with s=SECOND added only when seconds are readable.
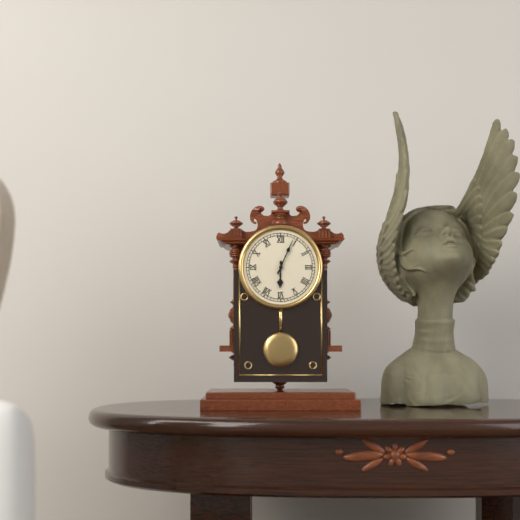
h=6 m=4
